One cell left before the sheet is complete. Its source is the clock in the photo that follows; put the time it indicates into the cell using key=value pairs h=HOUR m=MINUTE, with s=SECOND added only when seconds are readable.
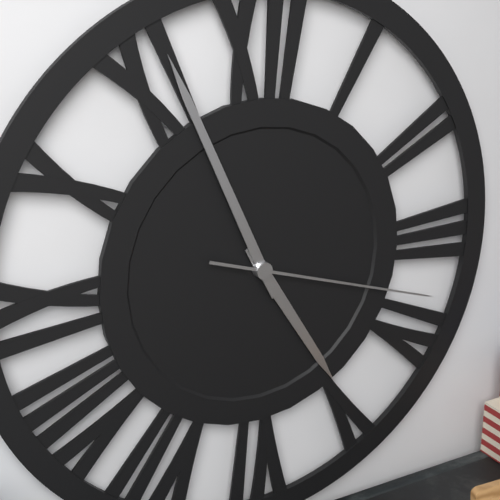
h=4 m=56 s=18
